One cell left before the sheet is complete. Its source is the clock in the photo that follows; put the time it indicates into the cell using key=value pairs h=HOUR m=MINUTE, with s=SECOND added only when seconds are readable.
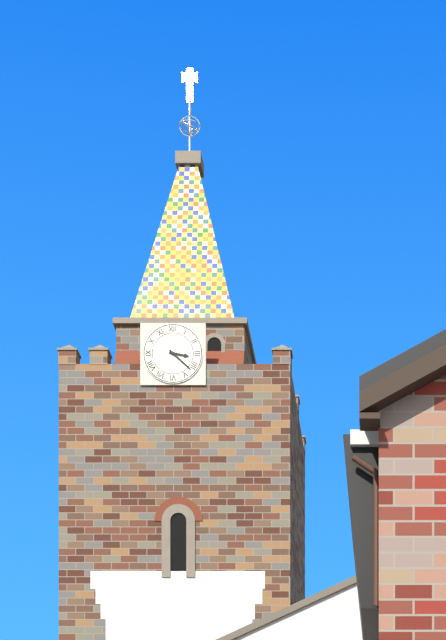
h=3 m=22
